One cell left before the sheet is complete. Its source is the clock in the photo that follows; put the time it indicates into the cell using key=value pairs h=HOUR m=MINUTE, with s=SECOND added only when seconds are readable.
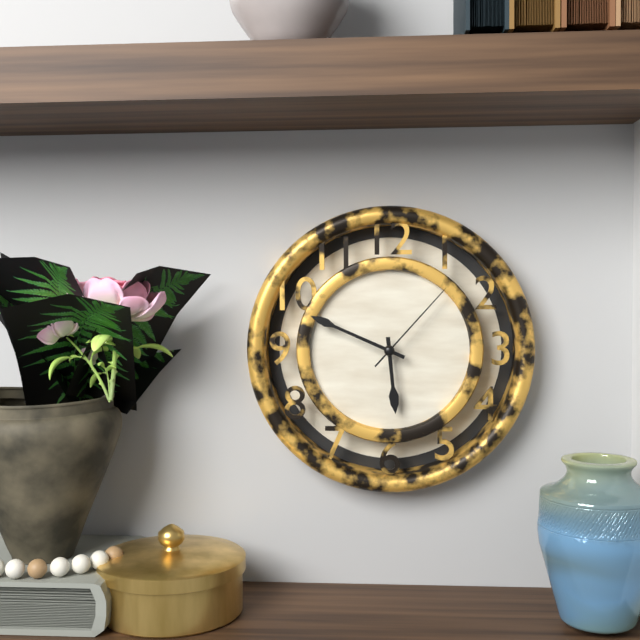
h=5 m=49 s=7
